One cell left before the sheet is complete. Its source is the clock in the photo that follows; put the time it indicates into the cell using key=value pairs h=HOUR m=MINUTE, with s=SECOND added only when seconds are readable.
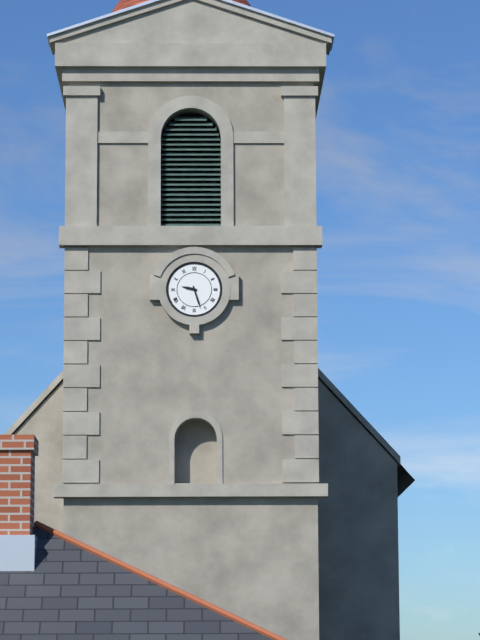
h=9 m=27
